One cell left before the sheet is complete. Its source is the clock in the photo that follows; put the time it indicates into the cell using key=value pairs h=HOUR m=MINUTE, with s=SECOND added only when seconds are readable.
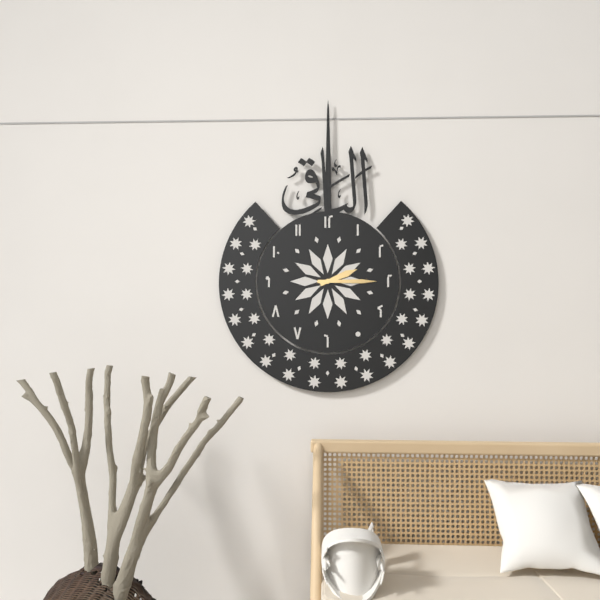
h=2 m=15
